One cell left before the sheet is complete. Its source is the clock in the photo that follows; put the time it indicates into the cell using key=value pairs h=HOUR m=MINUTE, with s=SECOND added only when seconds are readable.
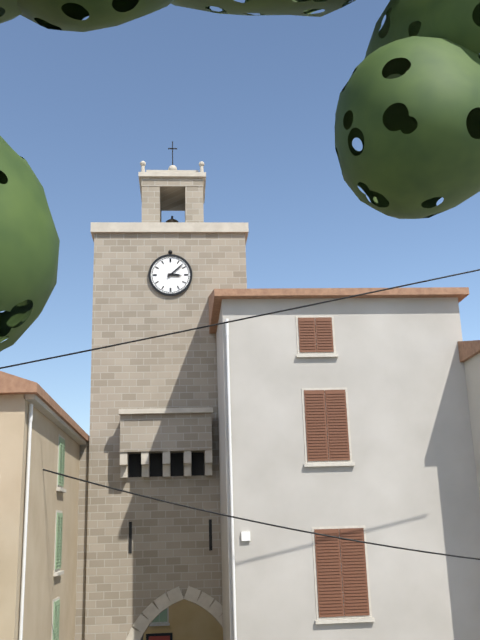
h=3 m=8
